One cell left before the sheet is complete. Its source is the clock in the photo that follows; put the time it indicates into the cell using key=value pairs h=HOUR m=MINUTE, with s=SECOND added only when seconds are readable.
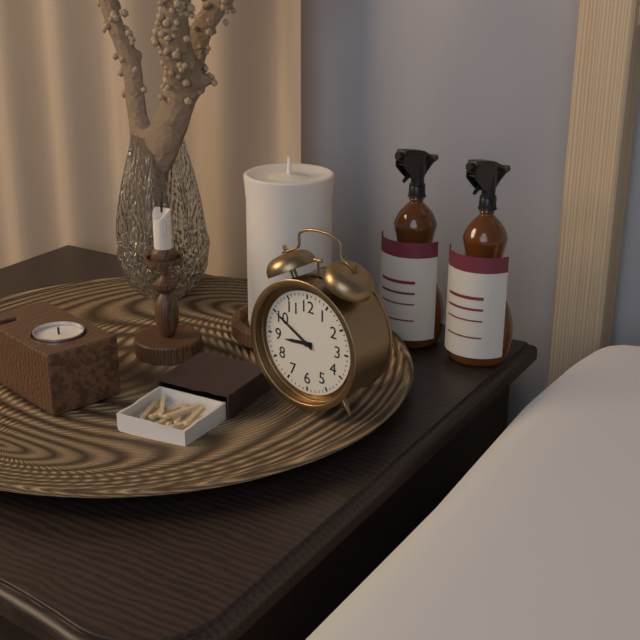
h=8 m=50
